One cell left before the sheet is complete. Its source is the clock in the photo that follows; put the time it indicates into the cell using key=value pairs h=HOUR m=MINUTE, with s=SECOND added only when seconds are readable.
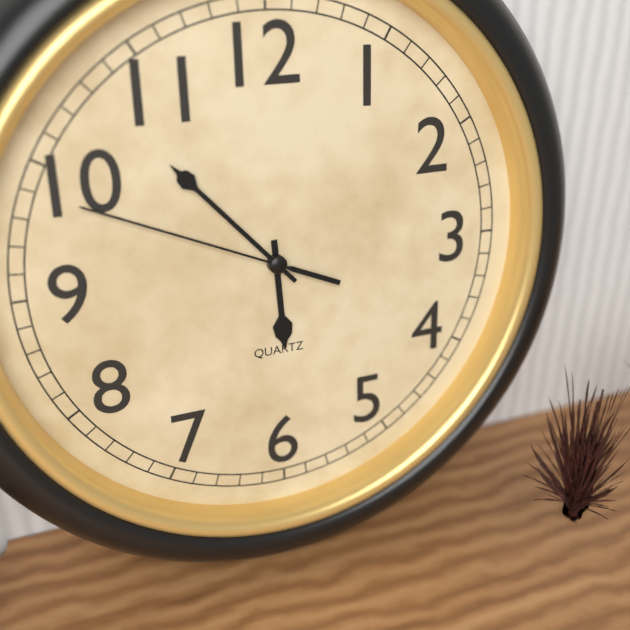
h=5 m=53 s=49
